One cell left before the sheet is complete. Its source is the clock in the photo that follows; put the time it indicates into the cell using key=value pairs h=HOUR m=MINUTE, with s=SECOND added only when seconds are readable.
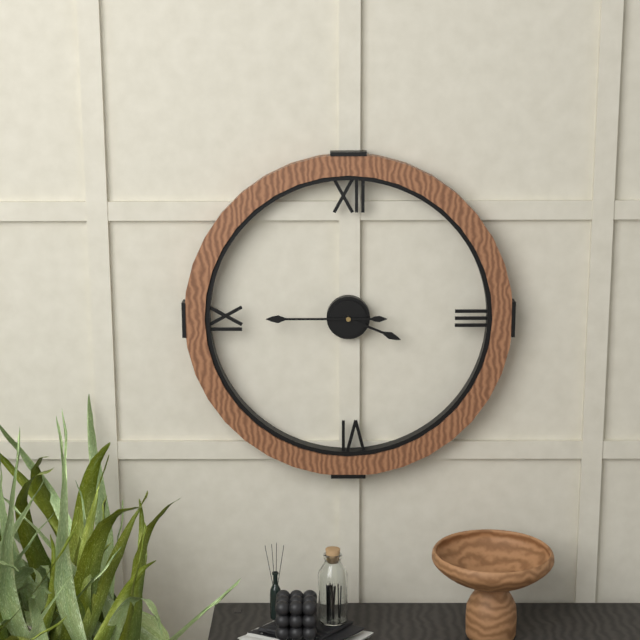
h=3 m=45
